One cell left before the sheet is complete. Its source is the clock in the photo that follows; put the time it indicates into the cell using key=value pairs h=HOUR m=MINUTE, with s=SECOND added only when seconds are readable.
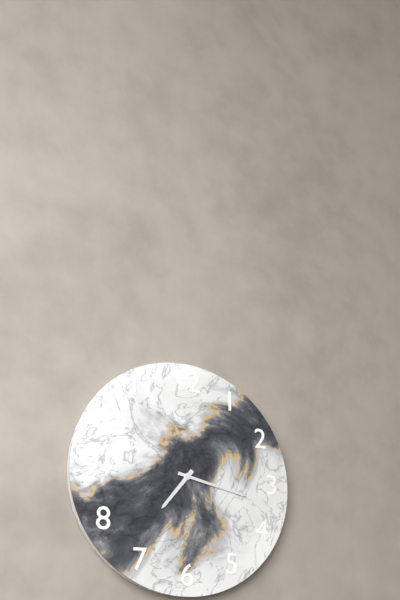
h=7 m=17
